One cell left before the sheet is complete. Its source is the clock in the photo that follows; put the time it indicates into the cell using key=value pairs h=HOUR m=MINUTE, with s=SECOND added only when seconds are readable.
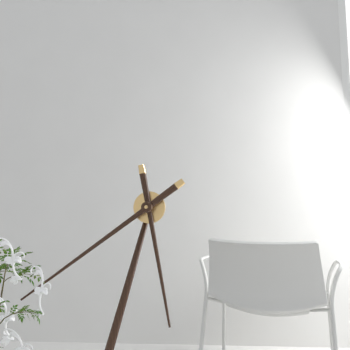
h=5 m=39
